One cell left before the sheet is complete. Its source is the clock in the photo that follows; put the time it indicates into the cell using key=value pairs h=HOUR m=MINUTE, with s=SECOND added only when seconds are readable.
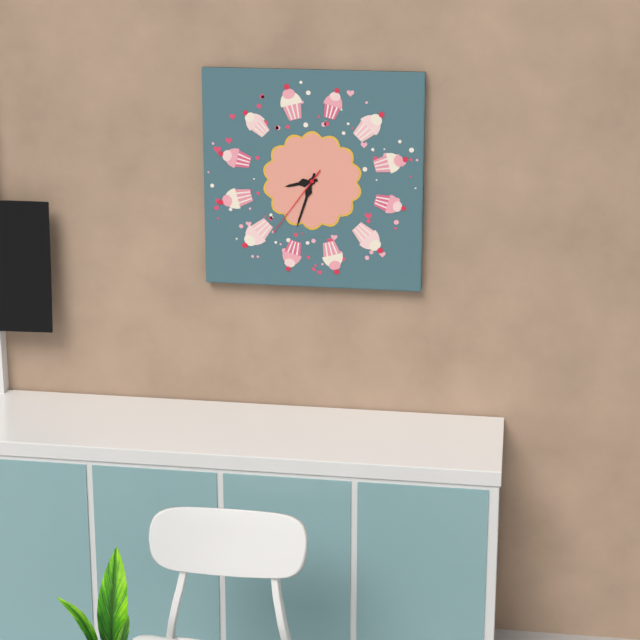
h=8 m=33 s=36
